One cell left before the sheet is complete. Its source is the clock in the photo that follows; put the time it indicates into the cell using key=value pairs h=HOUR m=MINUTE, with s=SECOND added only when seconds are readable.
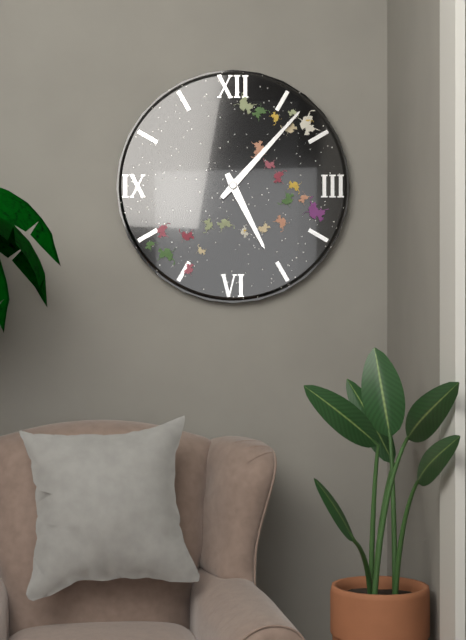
h=5 m=7
